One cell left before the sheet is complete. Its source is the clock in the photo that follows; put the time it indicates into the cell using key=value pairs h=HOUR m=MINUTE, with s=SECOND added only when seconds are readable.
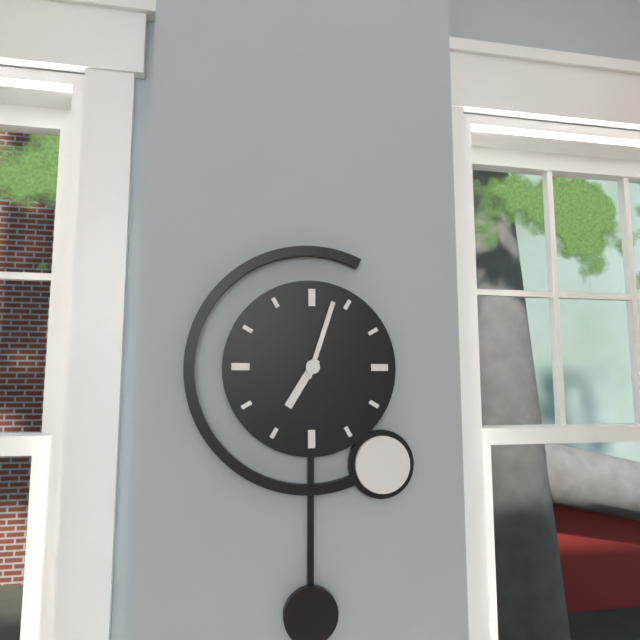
h=7 m=3
